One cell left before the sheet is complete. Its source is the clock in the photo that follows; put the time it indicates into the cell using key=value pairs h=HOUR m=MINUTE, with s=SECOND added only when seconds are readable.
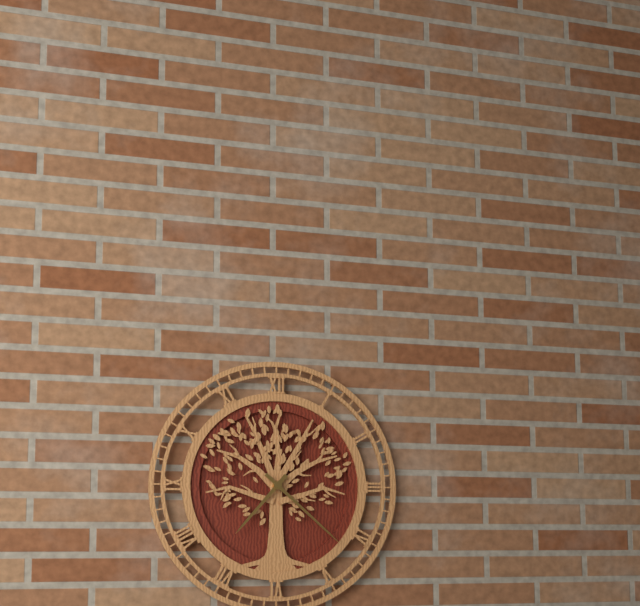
h=7 m=22
